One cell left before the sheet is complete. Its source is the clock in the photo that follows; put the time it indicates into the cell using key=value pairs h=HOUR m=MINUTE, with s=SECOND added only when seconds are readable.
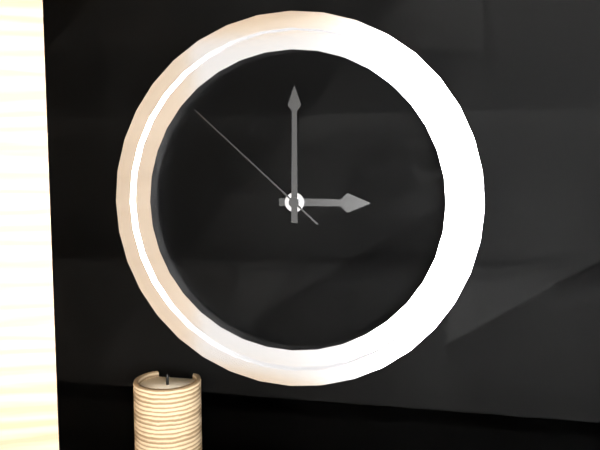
h=3 m=0 s=52
